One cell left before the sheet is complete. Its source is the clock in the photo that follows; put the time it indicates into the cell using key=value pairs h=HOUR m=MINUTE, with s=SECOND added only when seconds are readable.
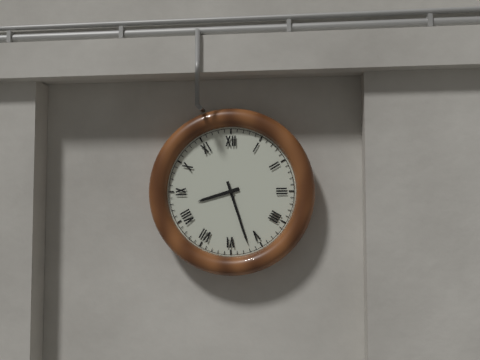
h=8 m=27
